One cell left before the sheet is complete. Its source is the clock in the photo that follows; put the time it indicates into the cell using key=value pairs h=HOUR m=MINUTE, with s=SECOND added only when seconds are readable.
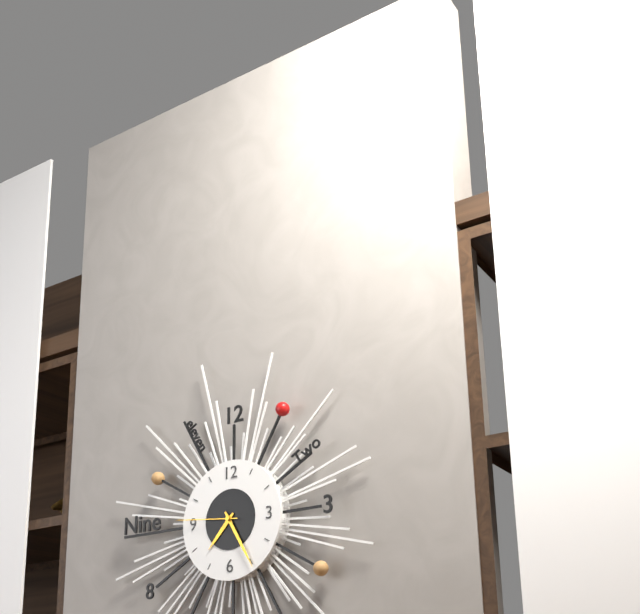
h=7 m=25 s=46
